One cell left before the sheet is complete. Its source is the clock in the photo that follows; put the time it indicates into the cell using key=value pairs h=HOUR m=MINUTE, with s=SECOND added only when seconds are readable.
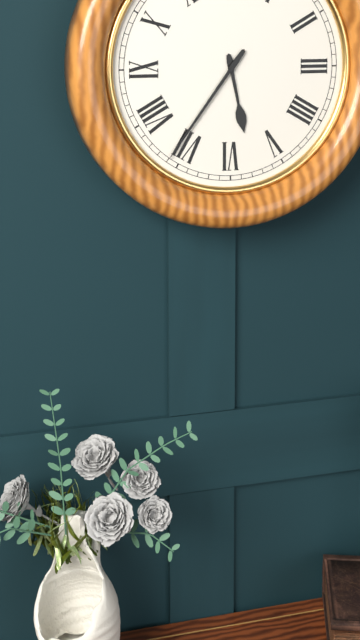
h=5 m=36
